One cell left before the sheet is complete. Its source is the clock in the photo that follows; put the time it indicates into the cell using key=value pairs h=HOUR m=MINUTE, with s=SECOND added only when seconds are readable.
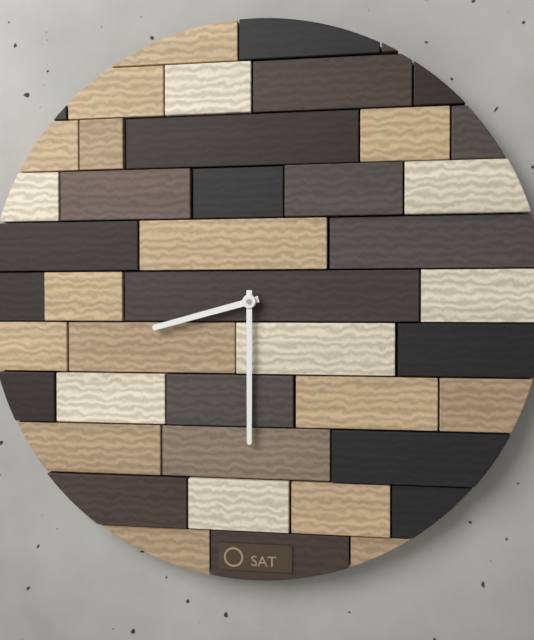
h=8 m=30
